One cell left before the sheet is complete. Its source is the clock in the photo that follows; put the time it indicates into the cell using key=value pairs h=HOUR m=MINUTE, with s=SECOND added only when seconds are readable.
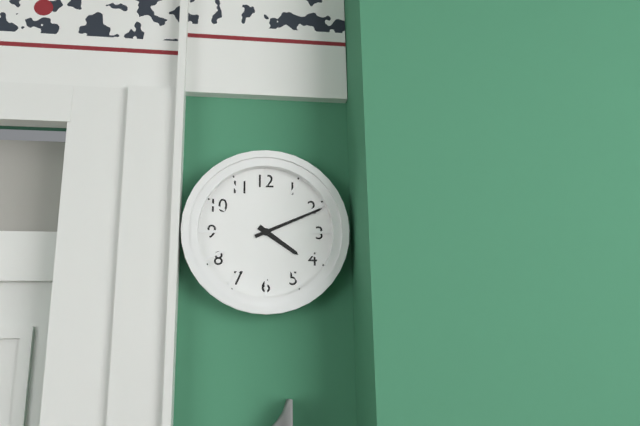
h=4 m=11
